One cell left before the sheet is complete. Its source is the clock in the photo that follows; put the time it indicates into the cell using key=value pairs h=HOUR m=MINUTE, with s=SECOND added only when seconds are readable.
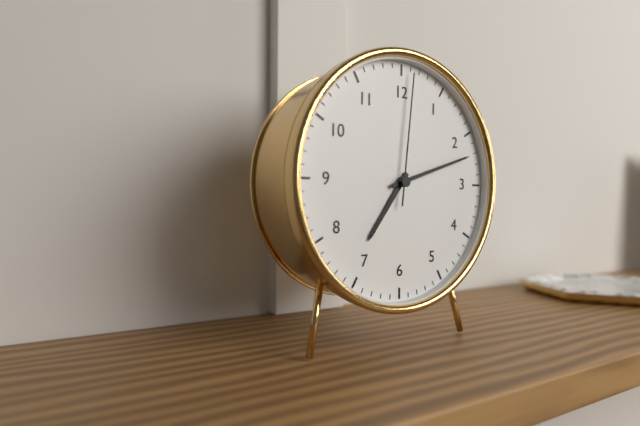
h=7 m=12 s=1
